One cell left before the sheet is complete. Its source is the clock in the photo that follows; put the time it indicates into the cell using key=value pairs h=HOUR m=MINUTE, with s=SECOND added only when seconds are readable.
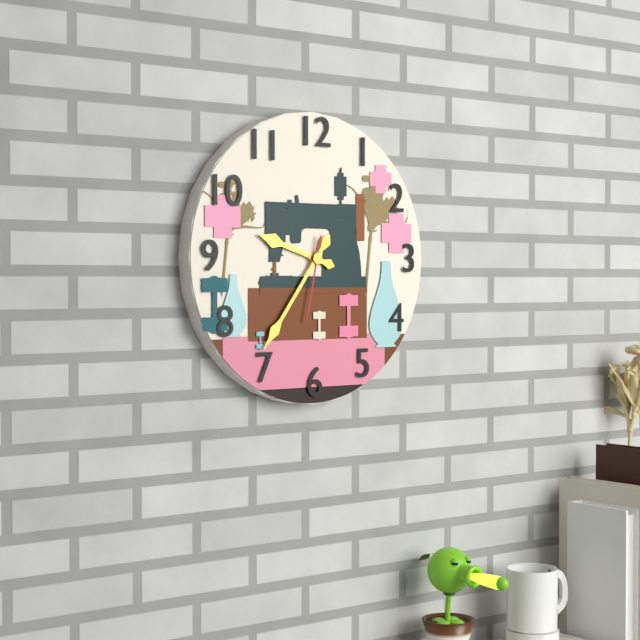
h=9 m=36 s=32
